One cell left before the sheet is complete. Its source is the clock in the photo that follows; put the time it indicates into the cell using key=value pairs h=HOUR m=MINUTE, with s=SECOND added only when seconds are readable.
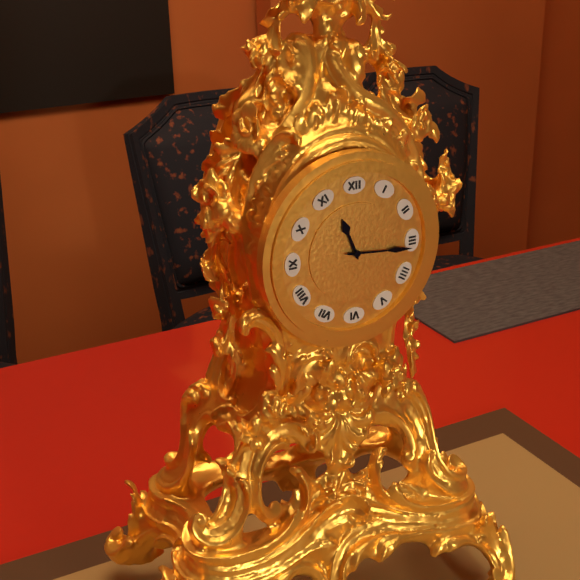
h=11 m=16
